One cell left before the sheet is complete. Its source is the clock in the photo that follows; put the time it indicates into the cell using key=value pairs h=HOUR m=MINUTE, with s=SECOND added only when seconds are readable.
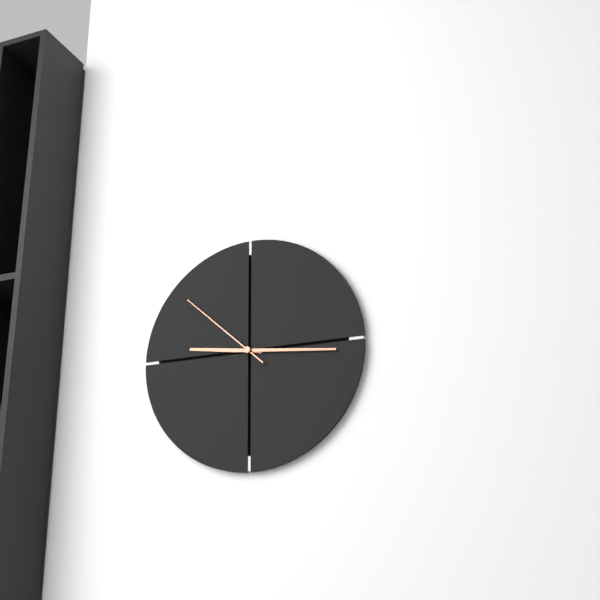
h=9 m=16 s=52
